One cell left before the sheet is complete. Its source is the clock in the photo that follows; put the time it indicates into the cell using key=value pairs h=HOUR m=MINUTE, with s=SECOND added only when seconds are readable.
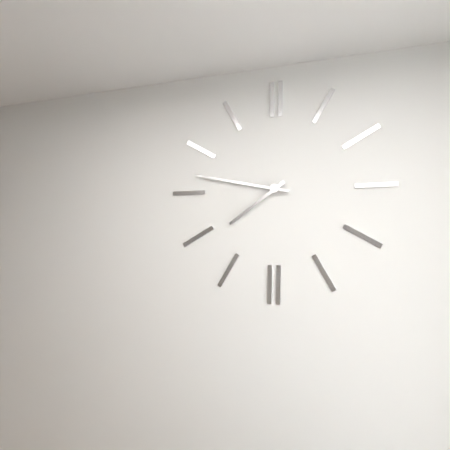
h=7 m=47
